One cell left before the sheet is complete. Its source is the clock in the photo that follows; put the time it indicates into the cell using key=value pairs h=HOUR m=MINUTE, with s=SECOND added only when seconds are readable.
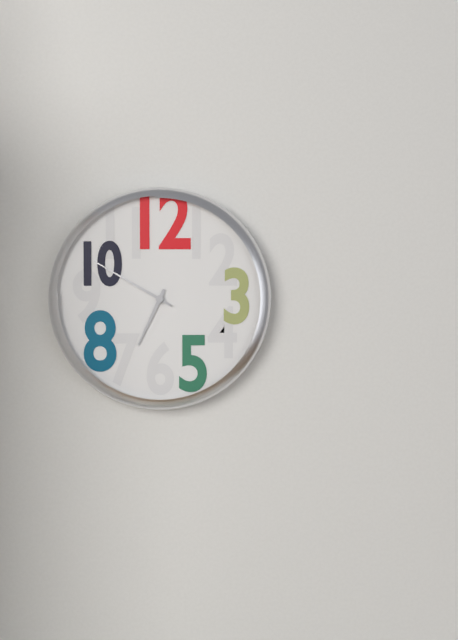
h=6 m=50
